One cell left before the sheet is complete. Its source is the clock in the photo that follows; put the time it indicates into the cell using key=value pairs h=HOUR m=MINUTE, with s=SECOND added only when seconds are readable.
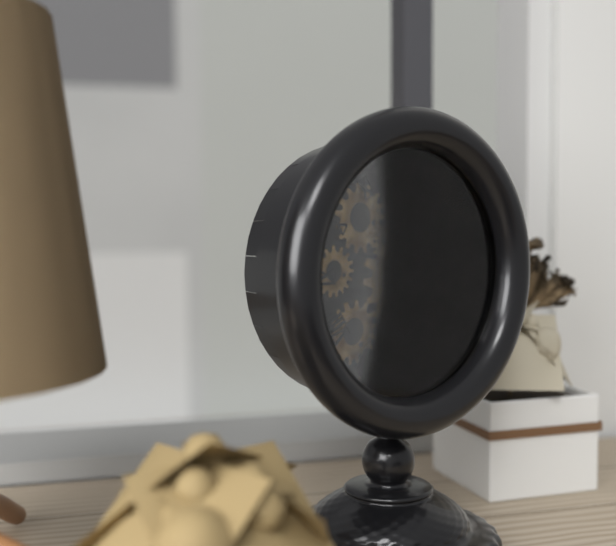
h=5 m=19
